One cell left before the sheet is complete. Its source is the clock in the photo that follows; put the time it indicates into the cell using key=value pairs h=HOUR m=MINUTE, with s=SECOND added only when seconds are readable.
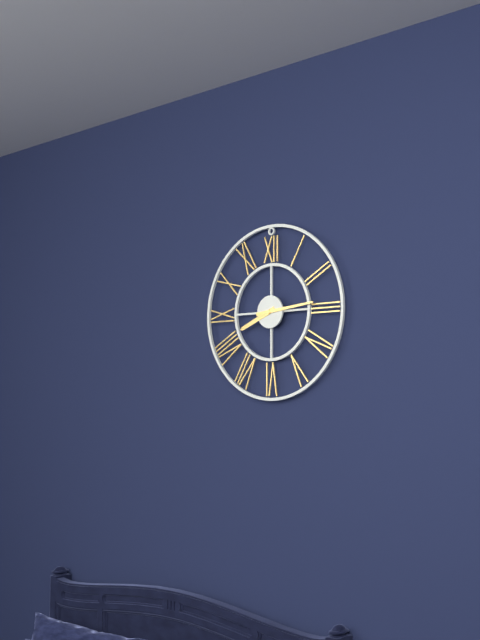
h=8 m=14
